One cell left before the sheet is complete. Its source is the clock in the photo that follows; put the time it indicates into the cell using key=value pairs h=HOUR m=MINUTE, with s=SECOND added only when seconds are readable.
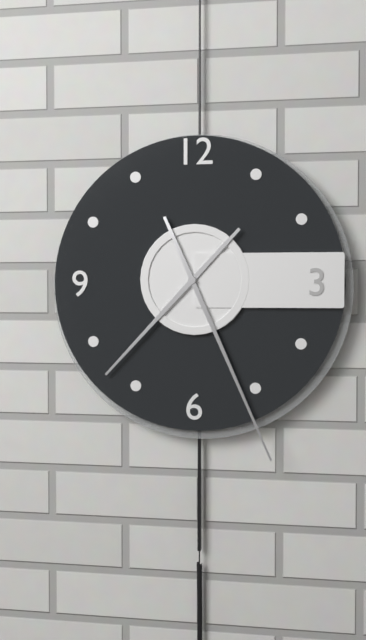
h=7 m=26
